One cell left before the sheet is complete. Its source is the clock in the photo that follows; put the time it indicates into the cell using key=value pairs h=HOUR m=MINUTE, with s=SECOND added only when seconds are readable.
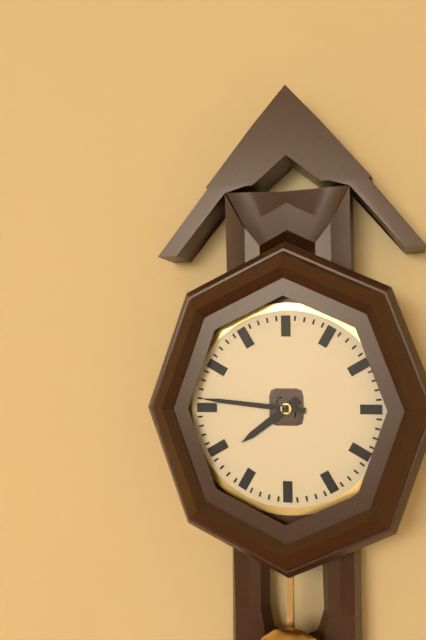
h=7 m=46
